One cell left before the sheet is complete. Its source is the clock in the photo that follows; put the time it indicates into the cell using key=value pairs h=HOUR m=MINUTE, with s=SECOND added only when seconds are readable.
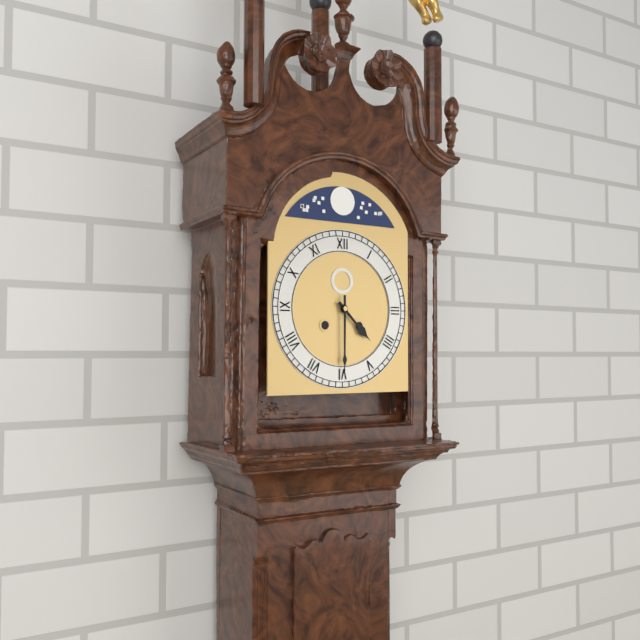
h=4 m=30
